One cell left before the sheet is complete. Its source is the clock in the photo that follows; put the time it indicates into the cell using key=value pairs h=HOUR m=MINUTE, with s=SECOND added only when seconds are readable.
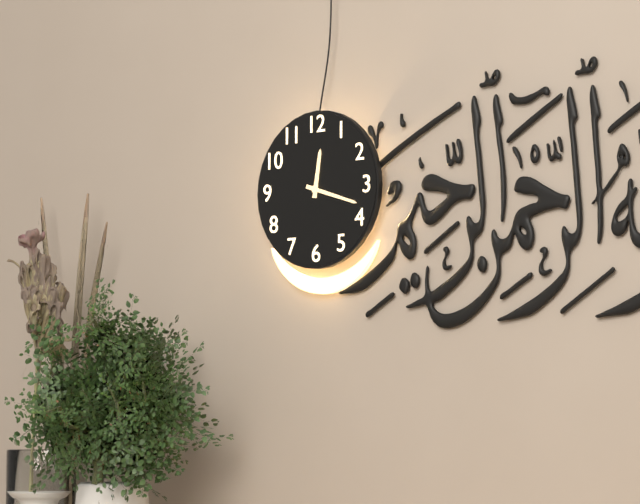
h=12 m=18
